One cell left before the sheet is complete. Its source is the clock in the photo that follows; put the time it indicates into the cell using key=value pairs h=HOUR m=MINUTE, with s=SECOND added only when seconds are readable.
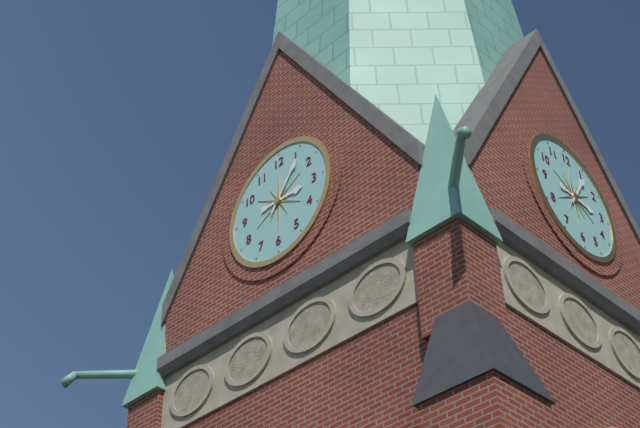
h=3 m=6
